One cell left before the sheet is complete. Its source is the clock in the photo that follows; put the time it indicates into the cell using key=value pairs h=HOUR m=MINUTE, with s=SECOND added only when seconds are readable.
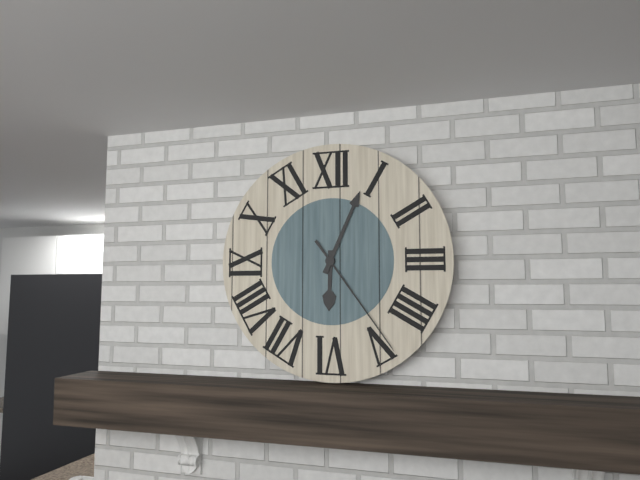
h=6 m=4 s=24
